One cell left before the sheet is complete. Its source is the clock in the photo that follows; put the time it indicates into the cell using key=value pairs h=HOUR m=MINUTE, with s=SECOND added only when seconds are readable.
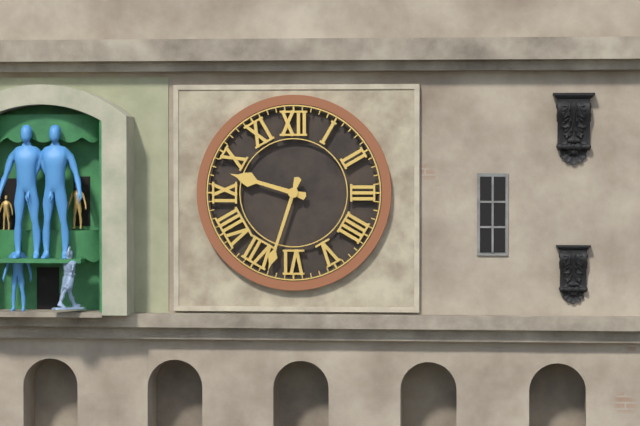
h=9 m=33
